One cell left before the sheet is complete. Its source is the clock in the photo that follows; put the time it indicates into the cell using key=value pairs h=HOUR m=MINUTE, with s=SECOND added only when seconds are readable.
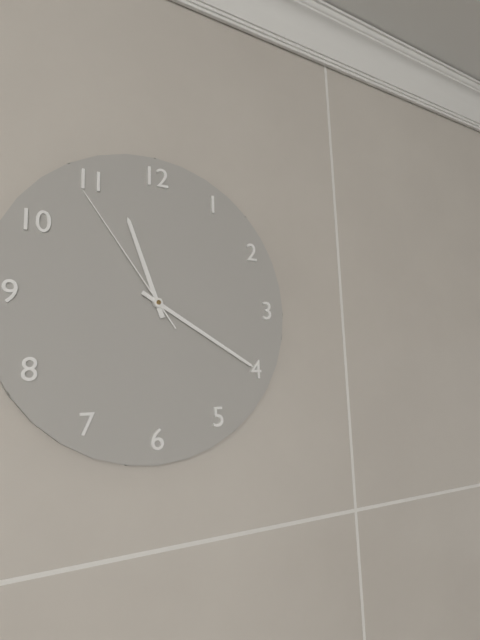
h=11 m=20 s=54
